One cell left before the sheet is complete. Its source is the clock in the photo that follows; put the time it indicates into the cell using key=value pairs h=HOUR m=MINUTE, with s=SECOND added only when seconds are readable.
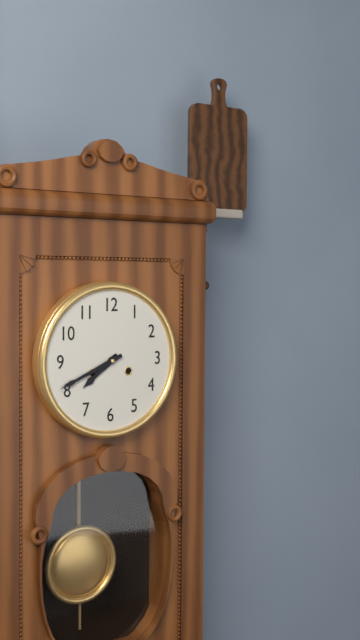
h=7 m=41
